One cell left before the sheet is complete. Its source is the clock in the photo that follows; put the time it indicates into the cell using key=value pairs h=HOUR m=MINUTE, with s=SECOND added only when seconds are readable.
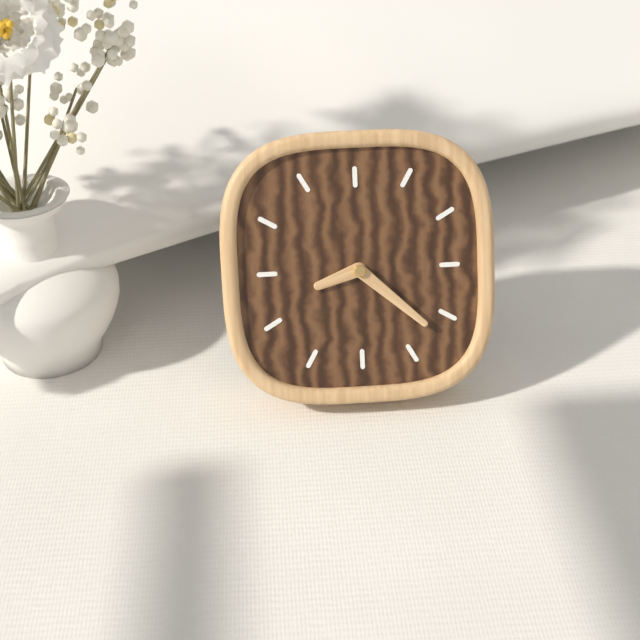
h=8 m=22
